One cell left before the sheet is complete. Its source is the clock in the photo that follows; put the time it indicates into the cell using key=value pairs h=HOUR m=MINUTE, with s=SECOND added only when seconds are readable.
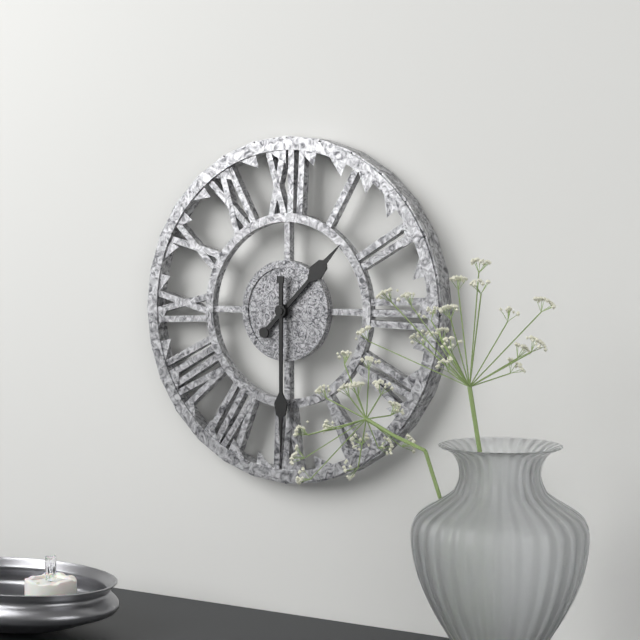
h=1 m=30
